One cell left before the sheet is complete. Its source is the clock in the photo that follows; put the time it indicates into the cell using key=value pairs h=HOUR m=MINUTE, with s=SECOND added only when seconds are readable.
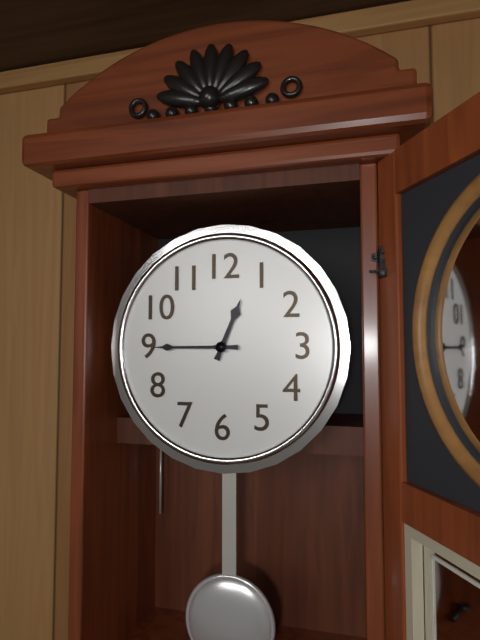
h=12 m=45
